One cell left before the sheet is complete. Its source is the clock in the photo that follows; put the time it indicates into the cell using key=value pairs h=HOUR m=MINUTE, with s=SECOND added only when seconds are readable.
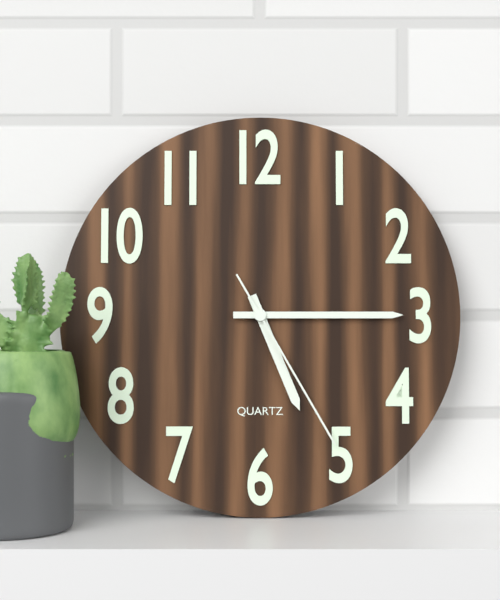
h=5 m=15 s=25
